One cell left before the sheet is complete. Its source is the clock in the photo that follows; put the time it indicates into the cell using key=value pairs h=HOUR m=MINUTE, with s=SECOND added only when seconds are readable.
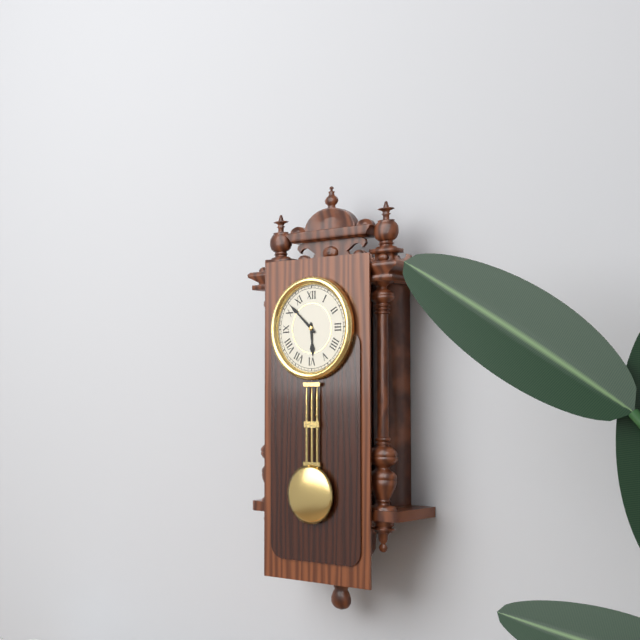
h=5 m=52
